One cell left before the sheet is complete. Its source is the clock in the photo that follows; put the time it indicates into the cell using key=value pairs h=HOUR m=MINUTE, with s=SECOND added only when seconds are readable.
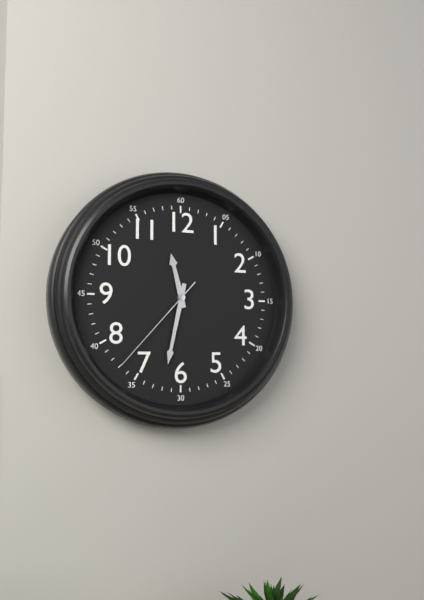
h=11 m=32 s=37
